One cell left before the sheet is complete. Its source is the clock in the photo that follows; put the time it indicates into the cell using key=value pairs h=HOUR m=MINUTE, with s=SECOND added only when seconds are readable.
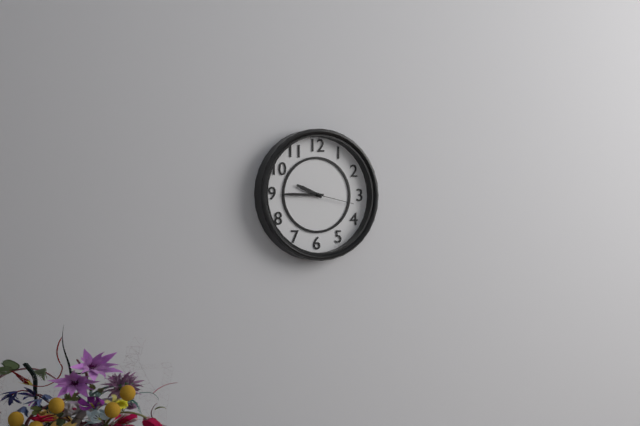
h=9 m=45 s=17
